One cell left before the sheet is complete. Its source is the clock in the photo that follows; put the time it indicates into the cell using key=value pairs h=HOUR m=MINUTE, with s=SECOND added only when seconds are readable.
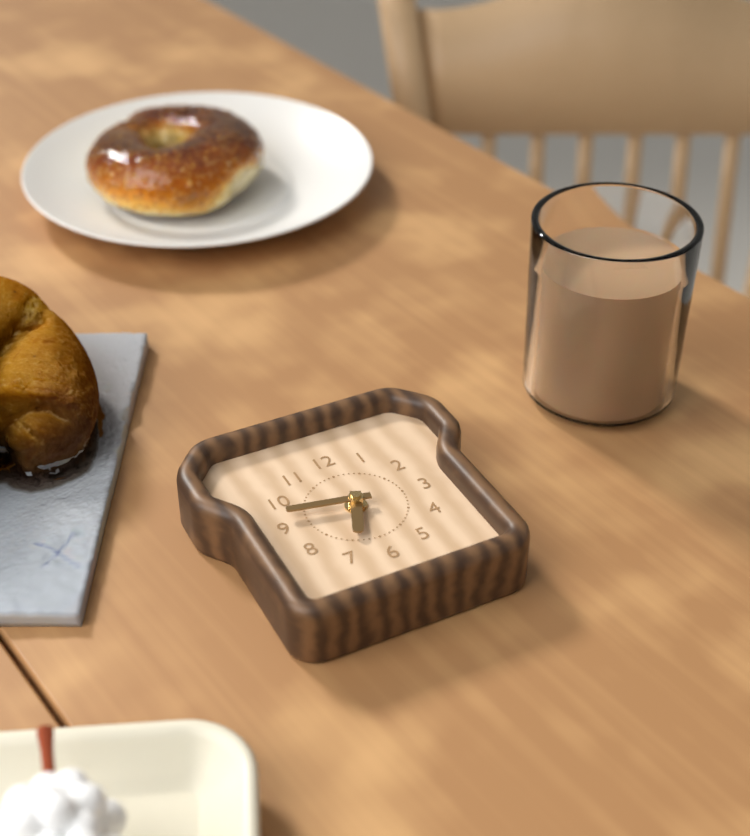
h=6 m=47
